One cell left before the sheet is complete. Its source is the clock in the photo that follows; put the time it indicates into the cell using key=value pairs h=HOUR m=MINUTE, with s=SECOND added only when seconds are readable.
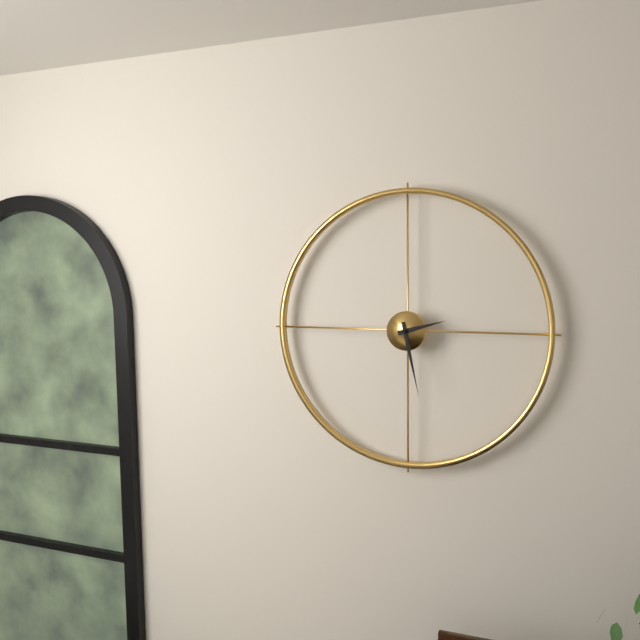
h=2 m=28
